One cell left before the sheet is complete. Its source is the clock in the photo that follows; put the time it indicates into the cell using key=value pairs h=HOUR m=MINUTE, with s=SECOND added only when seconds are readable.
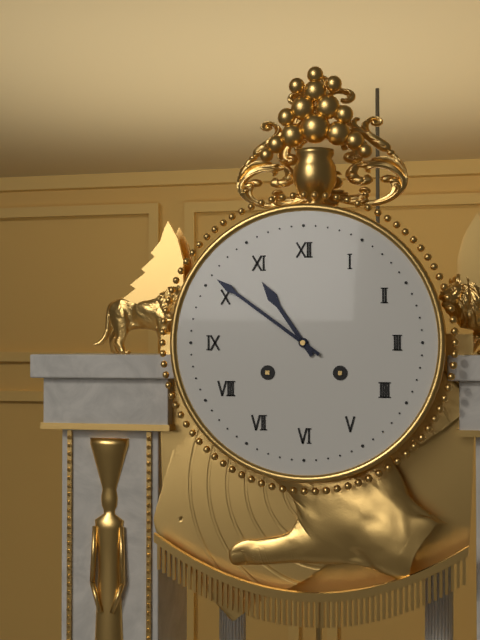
h=10 m=51
